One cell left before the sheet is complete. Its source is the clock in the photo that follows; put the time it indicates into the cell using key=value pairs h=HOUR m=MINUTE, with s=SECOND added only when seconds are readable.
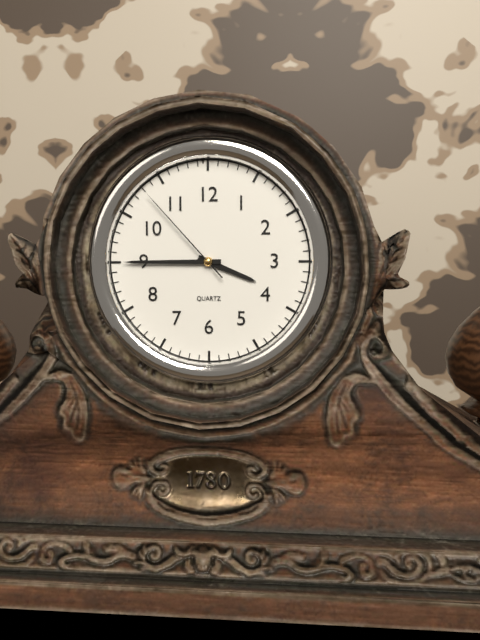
h=3 m=45 s=53
